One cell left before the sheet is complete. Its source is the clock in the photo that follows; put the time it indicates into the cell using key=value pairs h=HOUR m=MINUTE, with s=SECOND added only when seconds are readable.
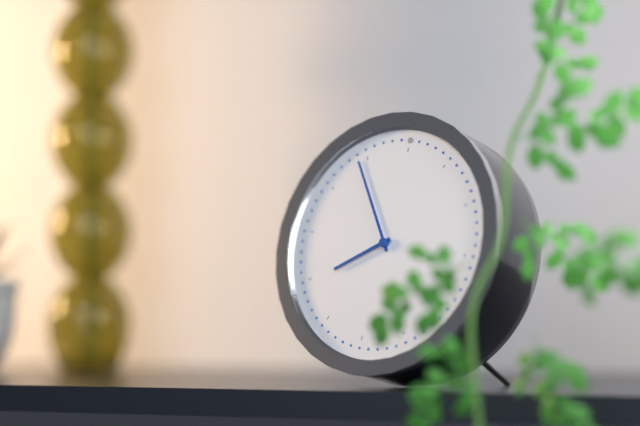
h=7 m=54
